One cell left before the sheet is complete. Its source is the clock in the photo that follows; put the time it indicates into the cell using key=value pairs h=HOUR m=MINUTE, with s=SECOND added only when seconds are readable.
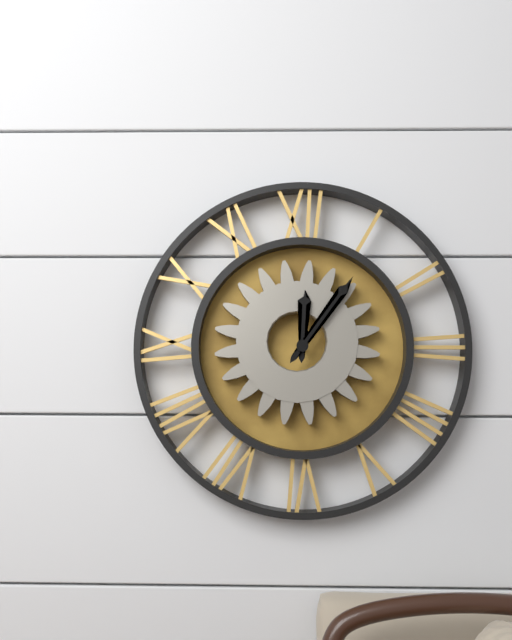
h=12 m=6
